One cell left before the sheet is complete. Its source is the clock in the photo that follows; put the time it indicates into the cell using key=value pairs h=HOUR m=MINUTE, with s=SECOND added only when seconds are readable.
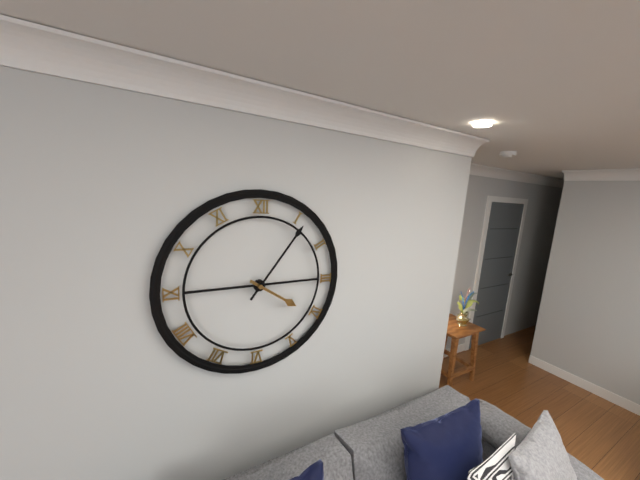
h=4 m=6
